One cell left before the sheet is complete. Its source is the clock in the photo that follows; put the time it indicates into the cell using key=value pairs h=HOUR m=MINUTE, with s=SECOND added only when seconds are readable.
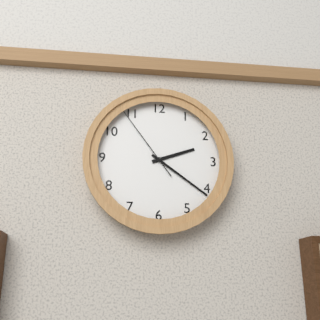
h=2 m=21 s=54
